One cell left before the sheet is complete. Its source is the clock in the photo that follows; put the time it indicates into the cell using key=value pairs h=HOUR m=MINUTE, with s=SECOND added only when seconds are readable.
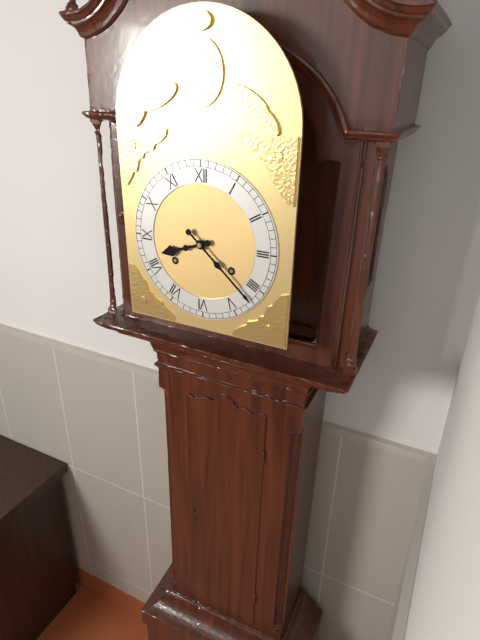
h=8 m=22
